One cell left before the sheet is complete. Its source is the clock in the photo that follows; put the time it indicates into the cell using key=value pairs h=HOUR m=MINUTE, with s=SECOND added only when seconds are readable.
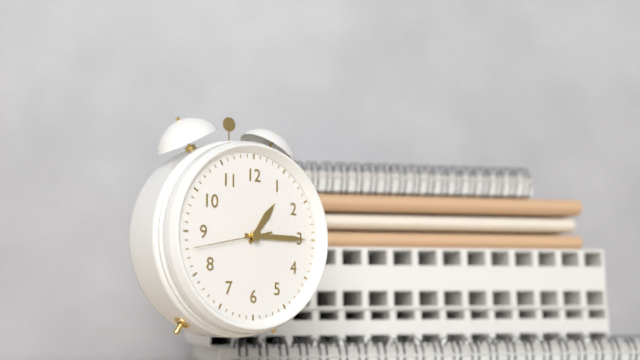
h=1 m=15 s=43
